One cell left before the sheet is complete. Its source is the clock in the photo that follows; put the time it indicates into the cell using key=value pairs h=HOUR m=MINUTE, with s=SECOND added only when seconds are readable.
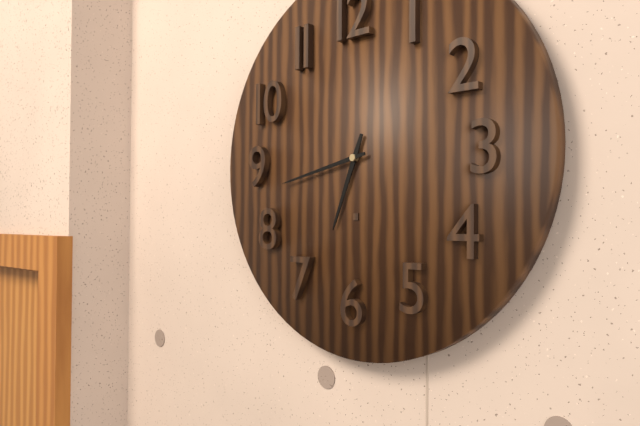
h=6 m=43
